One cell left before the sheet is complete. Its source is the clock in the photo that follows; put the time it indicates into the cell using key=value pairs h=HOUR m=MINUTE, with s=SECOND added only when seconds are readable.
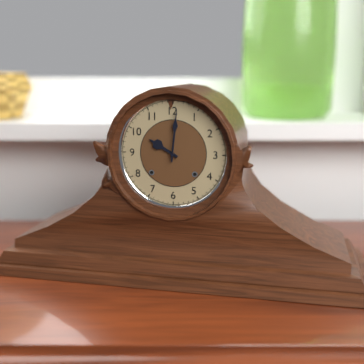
h=10 m=1
